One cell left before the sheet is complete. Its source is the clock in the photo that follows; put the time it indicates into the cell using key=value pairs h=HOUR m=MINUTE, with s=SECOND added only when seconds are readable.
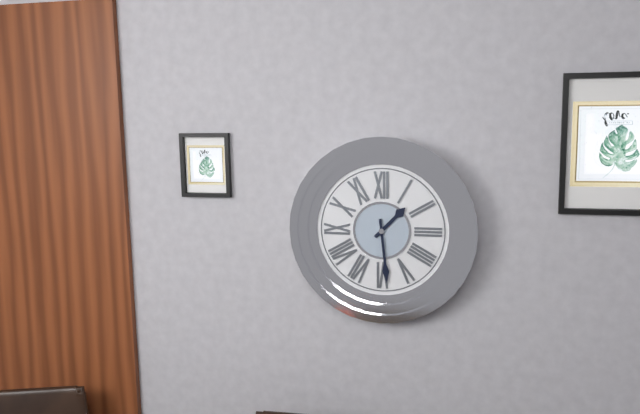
h=1 m=29
